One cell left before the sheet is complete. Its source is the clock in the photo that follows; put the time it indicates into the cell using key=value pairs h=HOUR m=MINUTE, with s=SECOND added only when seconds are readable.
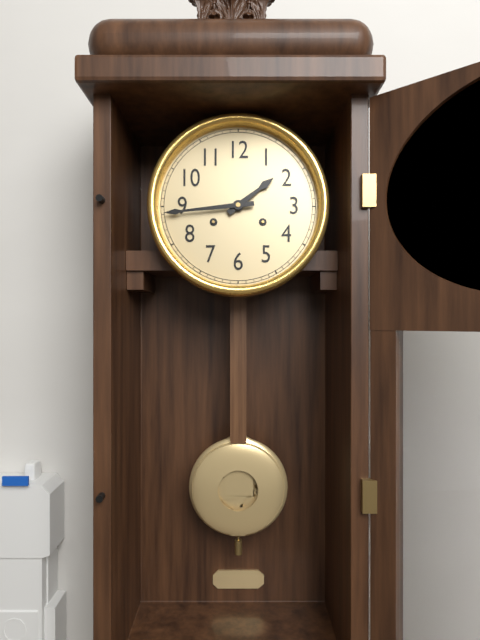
h=1 m=44
